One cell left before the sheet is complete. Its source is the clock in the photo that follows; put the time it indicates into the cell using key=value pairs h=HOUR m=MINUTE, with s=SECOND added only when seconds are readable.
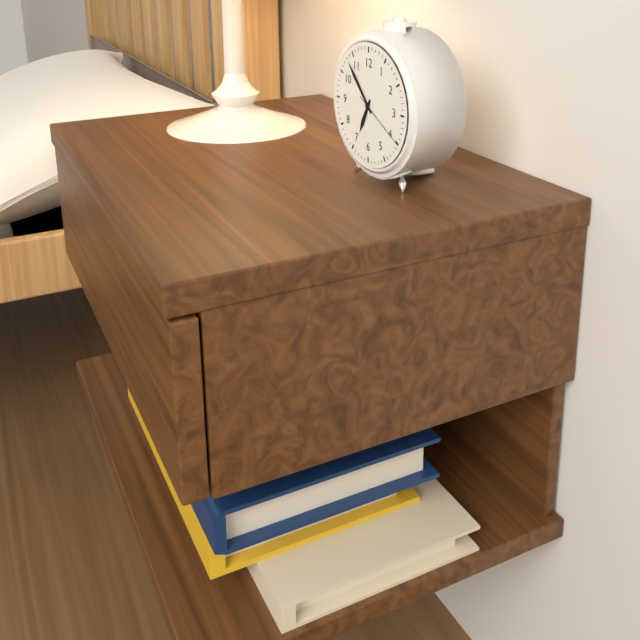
h=6 m=53 s=20
